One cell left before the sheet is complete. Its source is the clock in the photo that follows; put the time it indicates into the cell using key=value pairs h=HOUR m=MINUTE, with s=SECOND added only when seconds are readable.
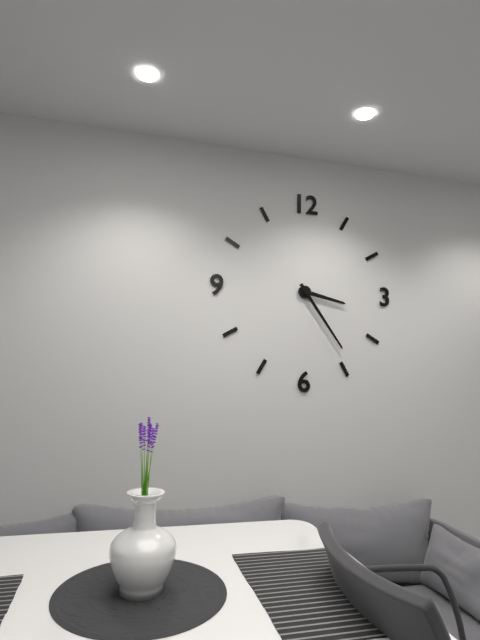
h=3 m=24
